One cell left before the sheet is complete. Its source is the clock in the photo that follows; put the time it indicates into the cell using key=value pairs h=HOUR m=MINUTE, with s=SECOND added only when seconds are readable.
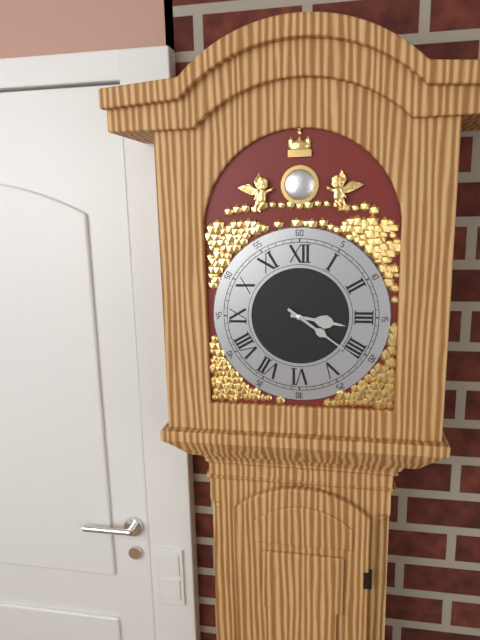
h=3 m=21
